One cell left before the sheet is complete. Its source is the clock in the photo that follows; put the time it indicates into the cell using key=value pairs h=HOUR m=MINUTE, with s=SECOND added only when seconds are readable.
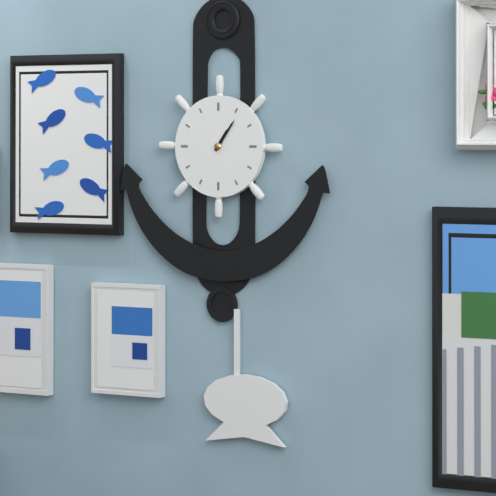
h=1 m=6
